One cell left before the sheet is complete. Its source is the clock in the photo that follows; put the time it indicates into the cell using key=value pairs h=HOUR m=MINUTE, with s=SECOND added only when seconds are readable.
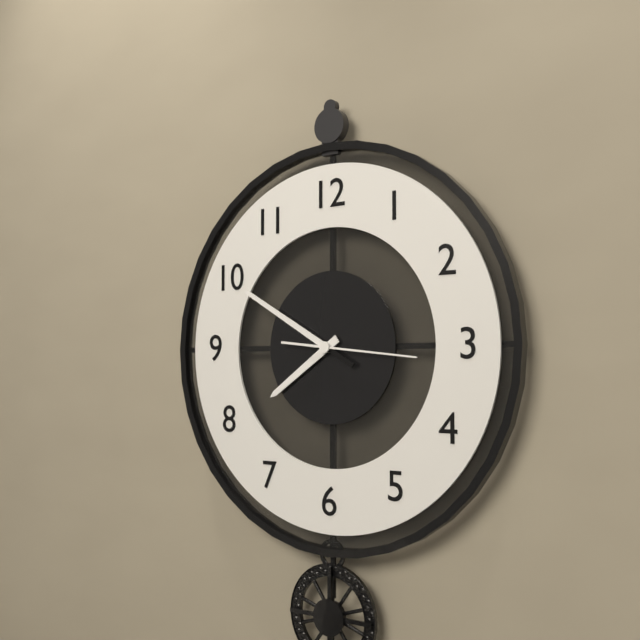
h=7 m=50 s=16
